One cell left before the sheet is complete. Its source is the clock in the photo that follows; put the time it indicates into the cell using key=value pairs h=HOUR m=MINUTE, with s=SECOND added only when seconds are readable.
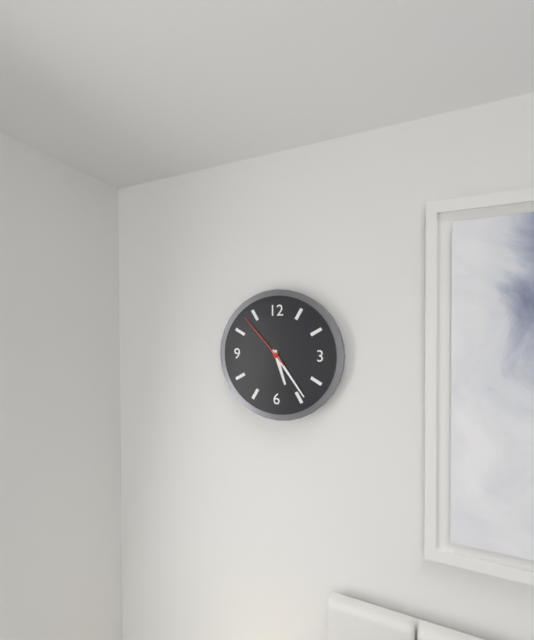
h=5 m=24 s=53
